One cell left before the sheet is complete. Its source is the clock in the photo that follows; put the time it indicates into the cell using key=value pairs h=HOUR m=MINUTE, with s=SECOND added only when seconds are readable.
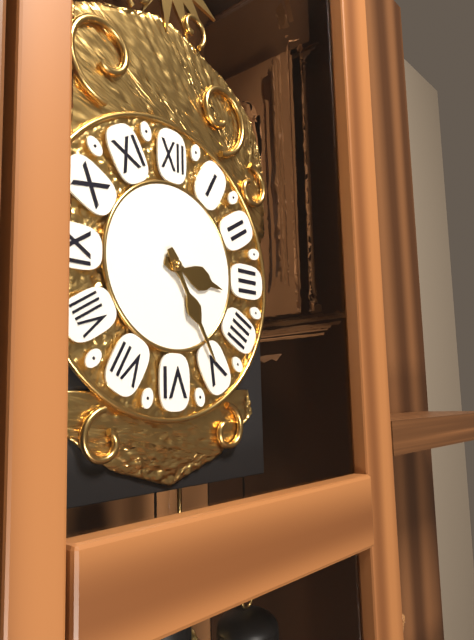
h=3 m=25
